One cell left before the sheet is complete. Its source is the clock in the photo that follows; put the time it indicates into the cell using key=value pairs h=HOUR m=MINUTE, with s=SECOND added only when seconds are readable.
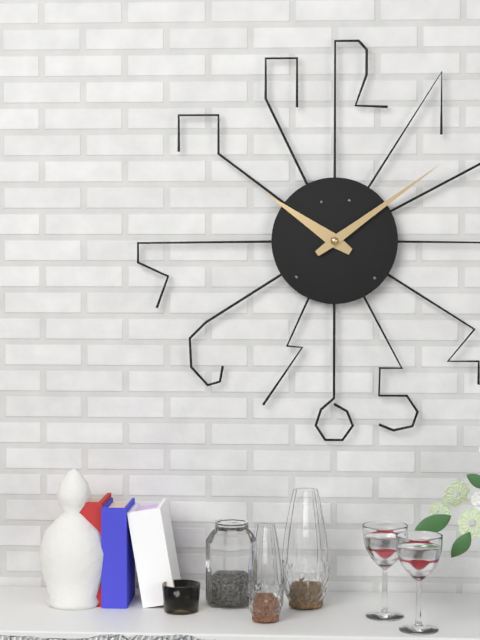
h=10 m=9
